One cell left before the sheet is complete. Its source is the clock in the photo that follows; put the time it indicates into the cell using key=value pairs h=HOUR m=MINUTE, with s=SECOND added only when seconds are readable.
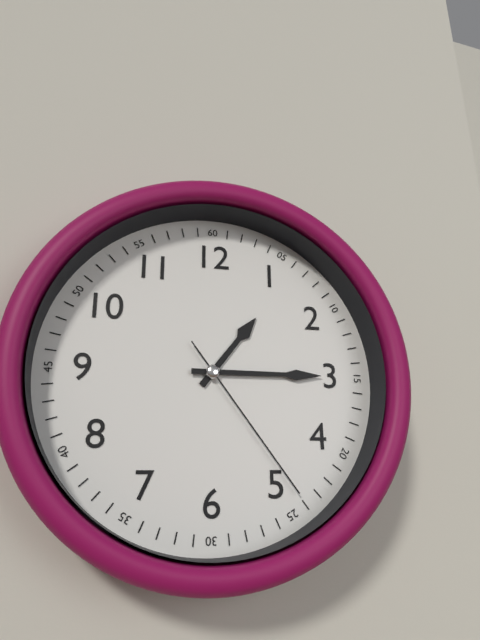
h=1 m=15 s=24
